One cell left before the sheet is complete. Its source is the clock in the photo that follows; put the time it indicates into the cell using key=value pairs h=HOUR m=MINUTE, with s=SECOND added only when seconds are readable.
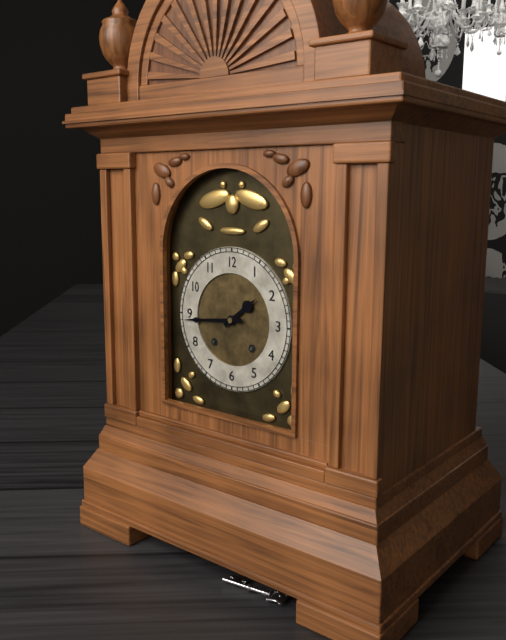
h=1 m=44
